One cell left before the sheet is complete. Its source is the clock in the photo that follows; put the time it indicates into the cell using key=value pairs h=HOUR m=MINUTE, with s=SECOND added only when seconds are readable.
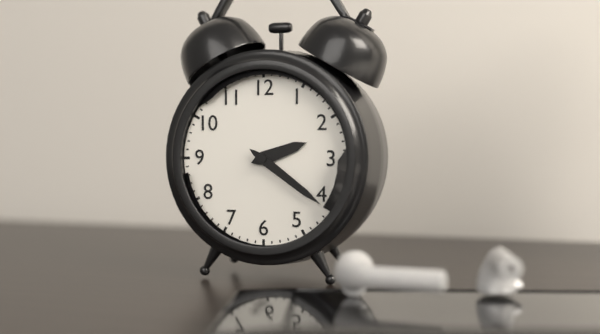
h=2 m=21
